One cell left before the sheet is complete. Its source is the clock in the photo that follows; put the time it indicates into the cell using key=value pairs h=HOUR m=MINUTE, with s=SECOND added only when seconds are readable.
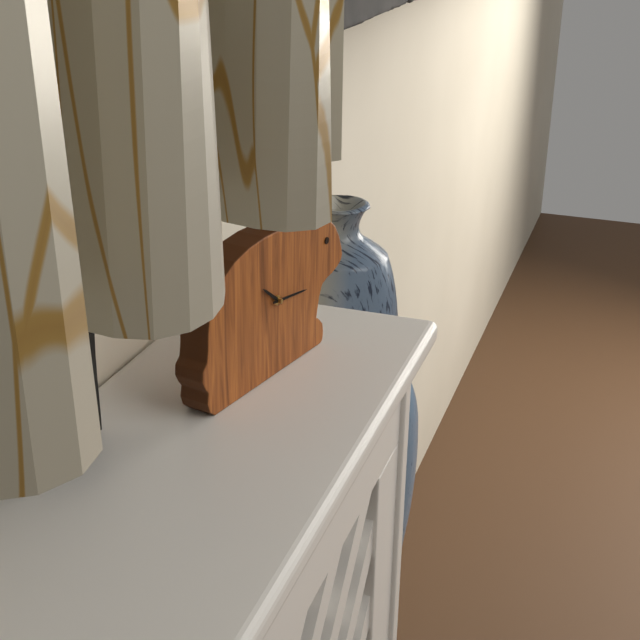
h=10 m=16
